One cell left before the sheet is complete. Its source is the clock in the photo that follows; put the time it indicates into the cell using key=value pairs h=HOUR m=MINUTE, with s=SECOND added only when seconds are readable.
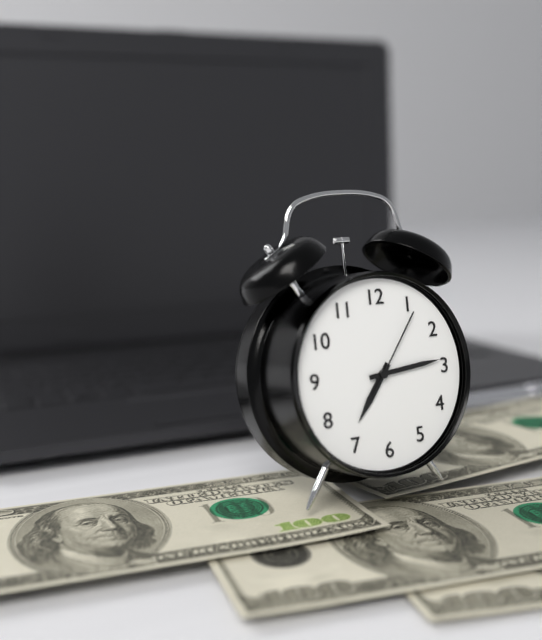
h=7 m=14 s=6
